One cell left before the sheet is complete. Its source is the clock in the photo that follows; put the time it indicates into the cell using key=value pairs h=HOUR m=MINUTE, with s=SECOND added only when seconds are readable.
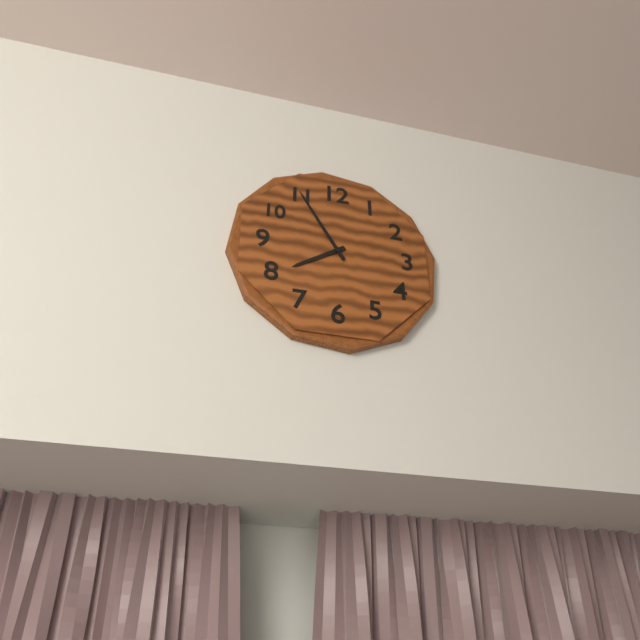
h=7 m=55
